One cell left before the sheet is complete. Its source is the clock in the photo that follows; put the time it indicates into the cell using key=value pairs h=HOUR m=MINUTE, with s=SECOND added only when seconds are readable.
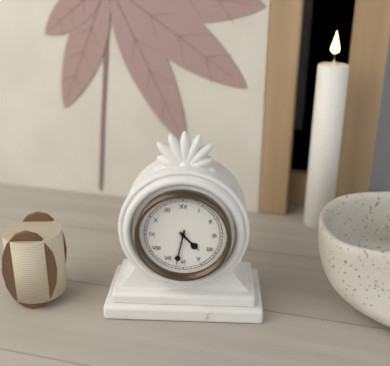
h=4 m=32
